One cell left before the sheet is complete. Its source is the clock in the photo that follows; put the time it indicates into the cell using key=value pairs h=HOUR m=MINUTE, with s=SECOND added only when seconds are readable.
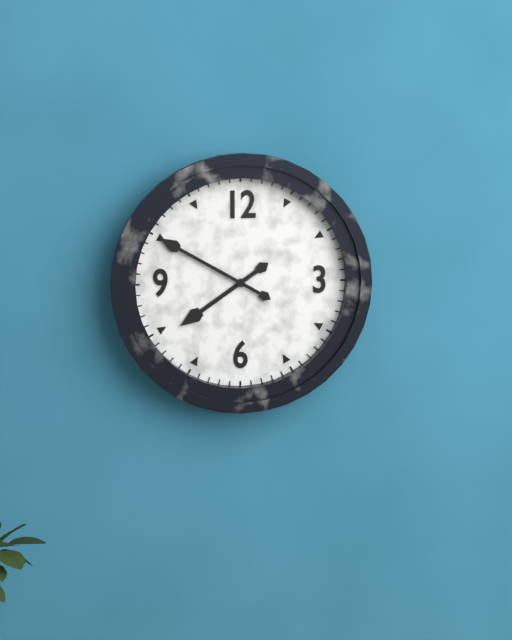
h=7 m=50
